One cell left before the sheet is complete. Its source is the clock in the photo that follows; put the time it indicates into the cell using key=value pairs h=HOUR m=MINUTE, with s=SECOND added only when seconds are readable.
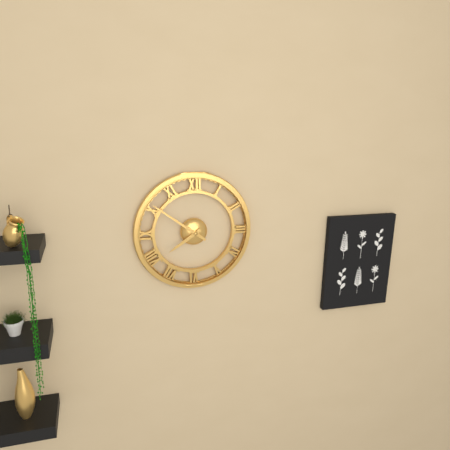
h=7 m=51
